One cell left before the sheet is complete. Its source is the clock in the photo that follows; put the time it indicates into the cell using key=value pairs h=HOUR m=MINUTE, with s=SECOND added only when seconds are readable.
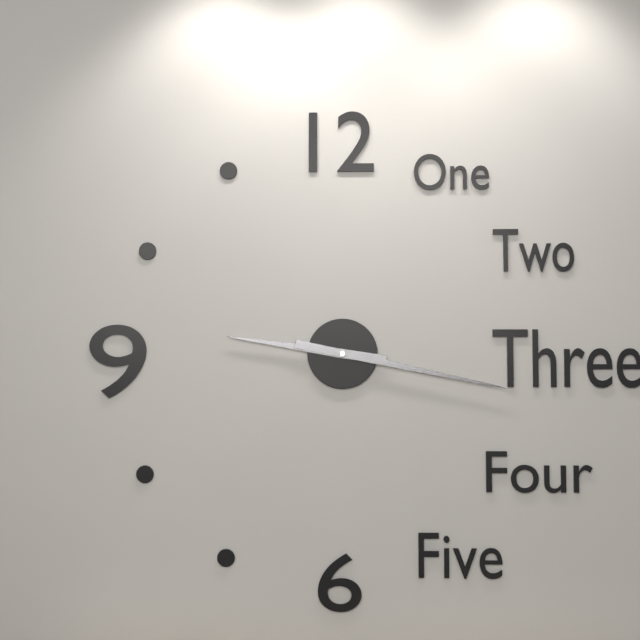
h=9 m=17
